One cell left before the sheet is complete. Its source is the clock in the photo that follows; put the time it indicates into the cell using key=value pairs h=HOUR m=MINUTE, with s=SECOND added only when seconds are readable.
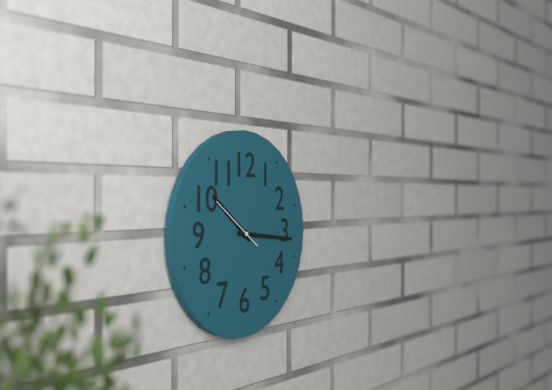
h=10 m=16 s=51
